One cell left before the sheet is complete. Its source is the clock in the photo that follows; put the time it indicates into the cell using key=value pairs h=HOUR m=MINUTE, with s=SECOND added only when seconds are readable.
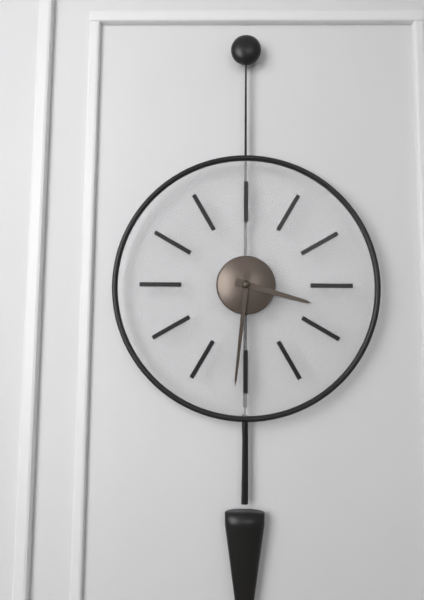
h=3 m=31
